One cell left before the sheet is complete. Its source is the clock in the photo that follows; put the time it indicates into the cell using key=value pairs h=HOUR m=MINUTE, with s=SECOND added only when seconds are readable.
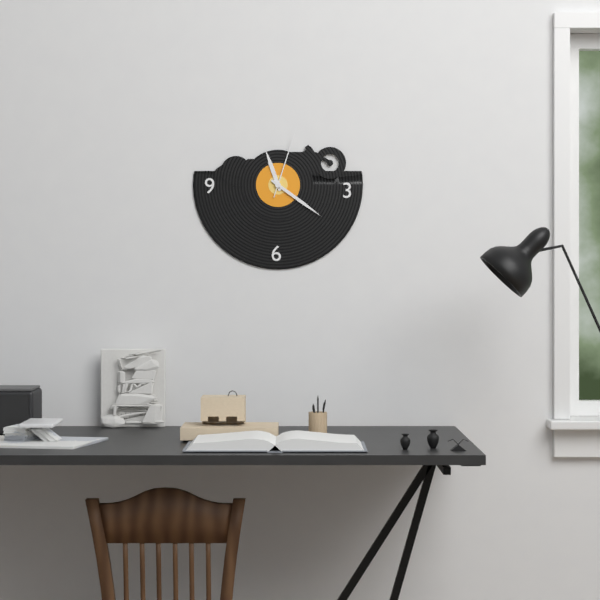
h=11 m=21 s=3
